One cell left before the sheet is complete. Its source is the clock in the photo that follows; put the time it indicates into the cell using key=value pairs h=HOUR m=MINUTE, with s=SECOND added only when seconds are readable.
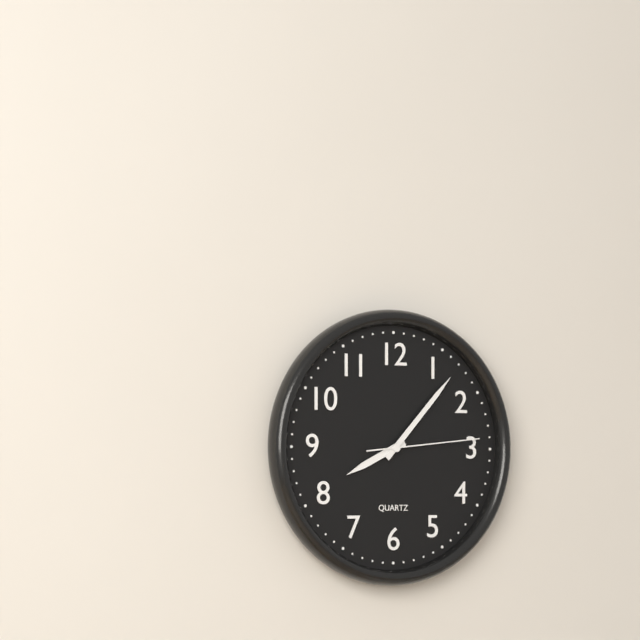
h=8 m=7 s=14
